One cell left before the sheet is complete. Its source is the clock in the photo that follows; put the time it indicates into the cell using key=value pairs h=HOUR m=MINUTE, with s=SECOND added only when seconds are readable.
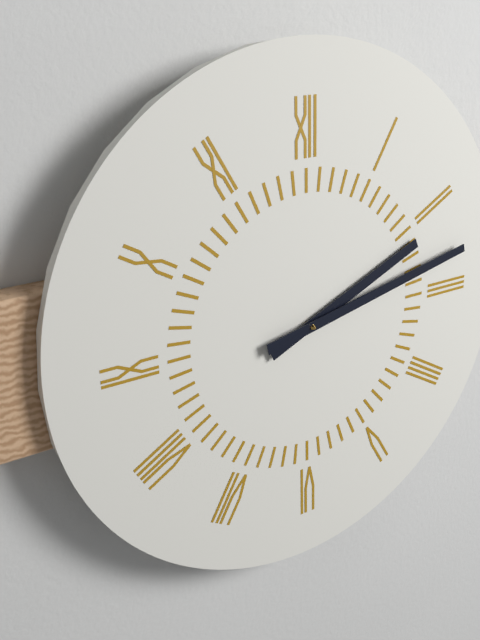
h=2 m=13
